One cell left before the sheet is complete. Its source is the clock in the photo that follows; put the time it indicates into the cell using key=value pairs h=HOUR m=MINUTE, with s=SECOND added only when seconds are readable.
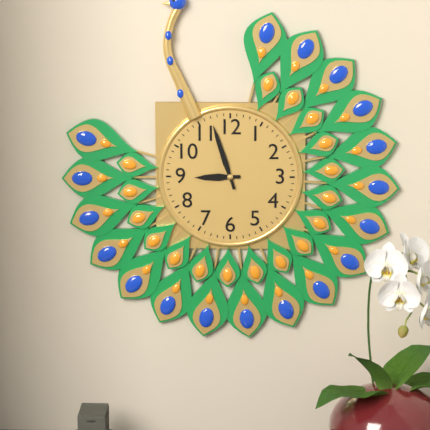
h=8 m=57
